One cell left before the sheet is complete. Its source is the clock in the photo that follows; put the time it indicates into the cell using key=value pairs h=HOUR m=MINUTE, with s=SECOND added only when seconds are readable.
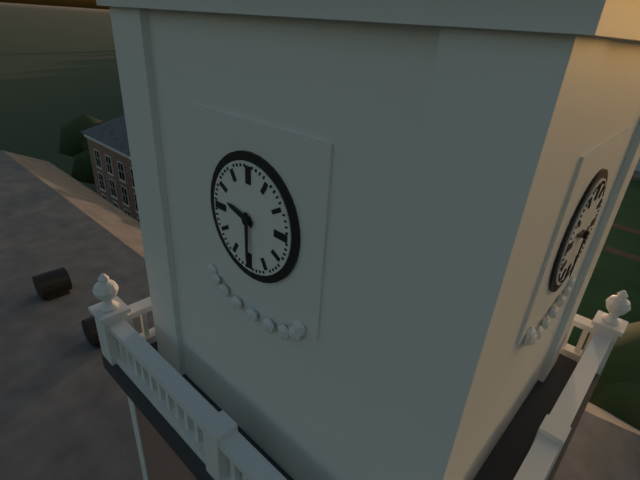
h=9 m=30
